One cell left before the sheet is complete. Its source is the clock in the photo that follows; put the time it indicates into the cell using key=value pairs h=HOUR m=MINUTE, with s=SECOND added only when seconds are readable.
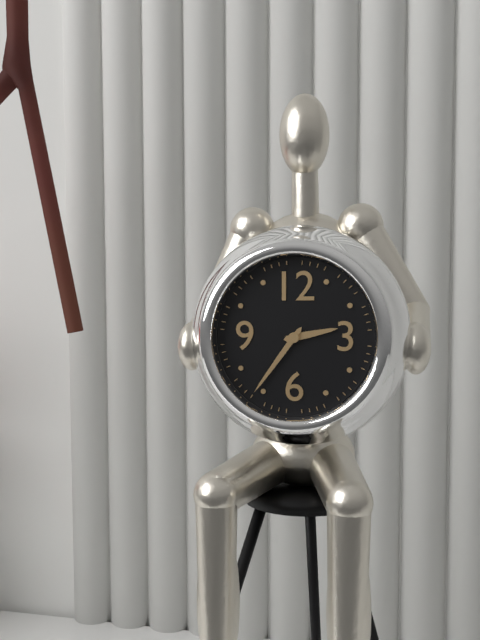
h=2 m=36
